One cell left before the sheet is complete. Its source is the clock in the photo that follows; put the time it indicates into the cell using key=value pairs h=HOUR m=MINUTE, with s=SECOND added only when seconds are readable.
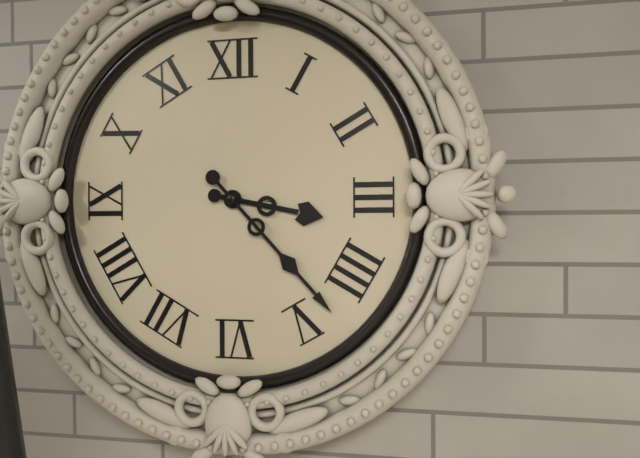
h=3 m=23
